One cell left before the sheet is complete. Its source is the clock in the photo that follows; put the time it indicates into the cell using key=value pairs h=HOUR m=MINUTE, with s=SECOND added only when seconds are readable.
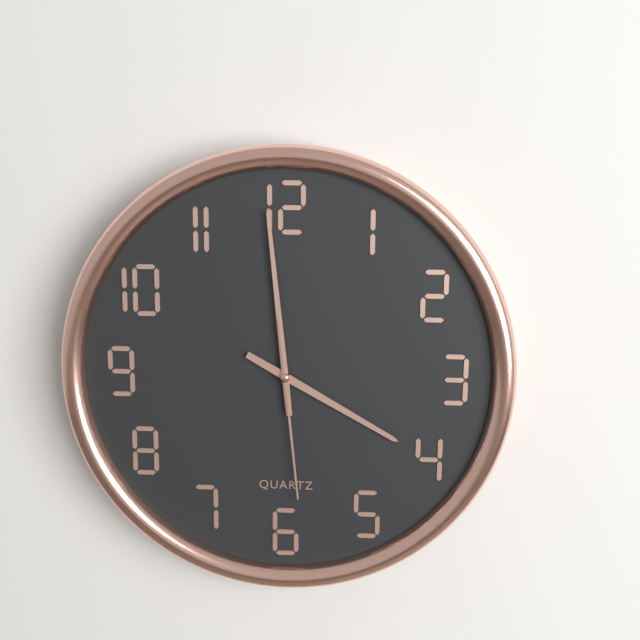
h=3 m=59 s=29
